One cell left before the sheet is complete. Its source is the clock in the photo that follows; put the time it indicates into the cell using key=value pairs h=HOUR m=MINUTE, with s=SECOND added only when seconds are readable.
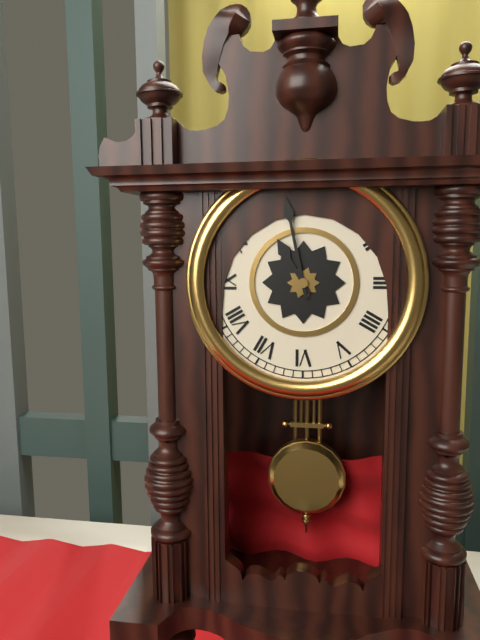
h=10 m=58
